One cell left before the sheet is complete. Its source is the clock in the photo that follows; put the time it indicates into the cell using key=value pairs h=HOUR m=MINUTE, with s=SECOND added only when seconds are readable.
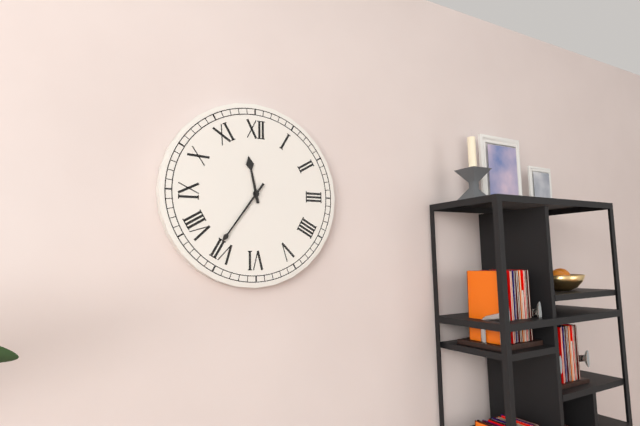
h=11 m=36
